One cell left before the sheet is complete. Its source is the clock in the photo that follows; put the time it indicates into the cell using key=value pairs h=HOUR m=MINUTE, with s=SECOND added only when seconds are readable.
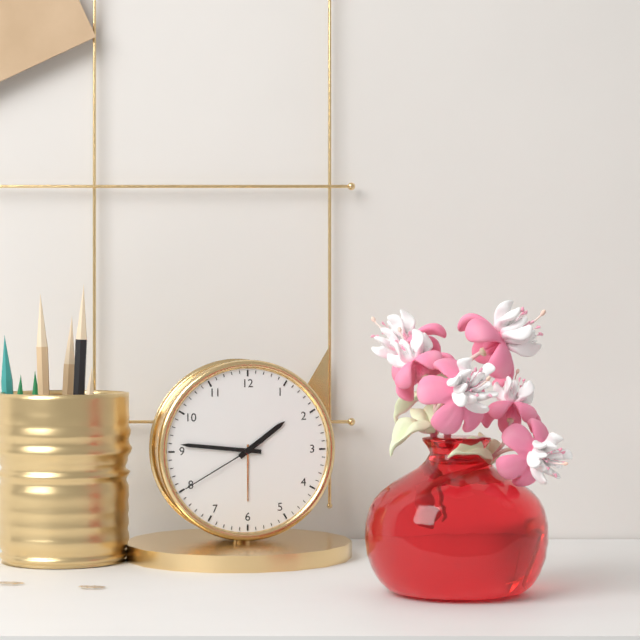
h=1 m=46 s=40
